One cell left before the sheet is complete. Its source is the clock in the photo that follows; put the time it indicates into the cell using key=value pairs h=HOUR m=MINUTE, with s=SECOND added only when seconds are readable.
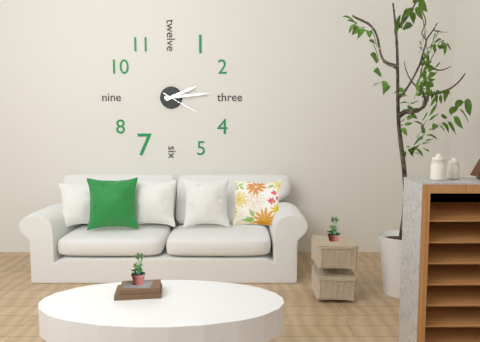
h=2 m=14
